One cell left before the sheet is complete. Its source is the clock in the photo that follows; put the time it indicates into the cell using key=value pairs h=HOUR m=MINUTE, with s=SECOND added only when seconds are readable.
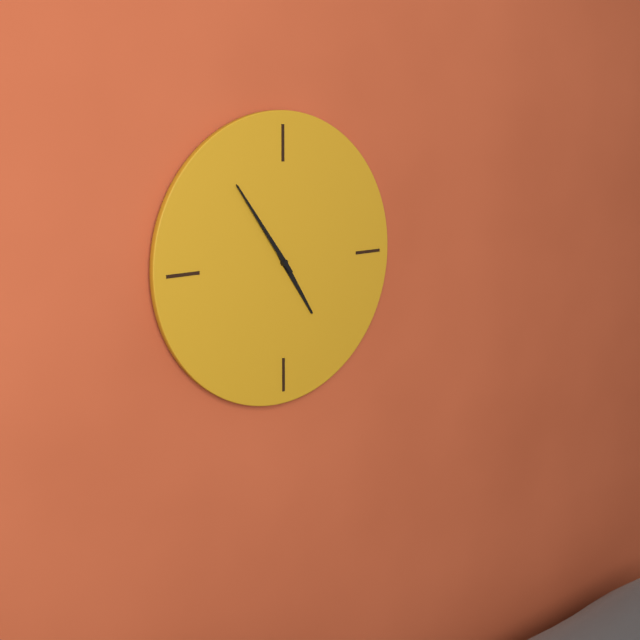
h=4 m=54
